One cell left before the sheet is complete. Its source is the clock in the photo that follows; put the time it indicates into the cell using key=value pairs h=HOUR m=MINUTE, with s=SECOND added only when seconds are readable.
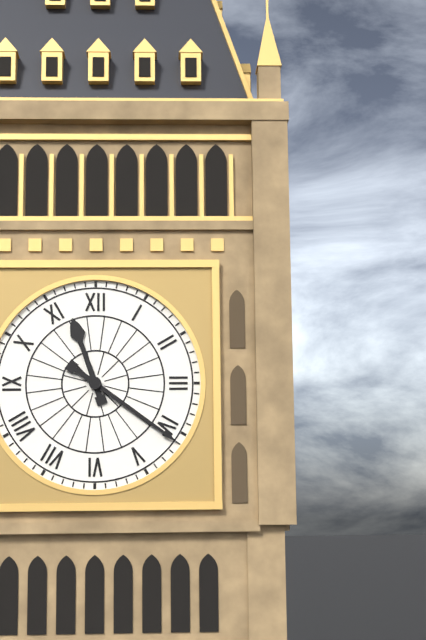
h=11 m=21
